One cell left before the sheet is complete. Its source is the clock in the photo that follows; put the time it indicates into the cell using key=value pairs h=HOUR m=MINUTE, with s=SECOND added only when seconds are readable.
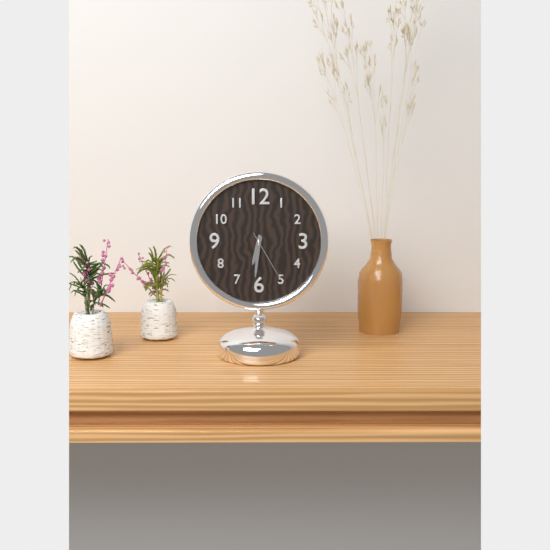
h=6 m=31 s=25
